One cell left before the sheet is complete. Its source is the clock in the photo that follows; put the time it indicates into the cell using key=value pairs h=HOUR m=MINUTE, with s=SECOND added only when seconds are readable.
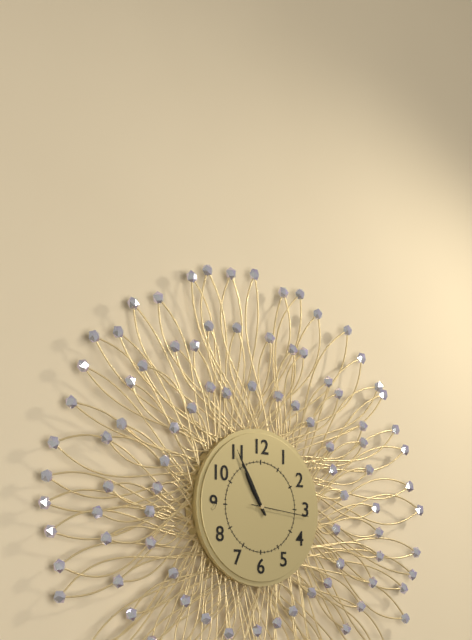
h=10 m=55 s=16
